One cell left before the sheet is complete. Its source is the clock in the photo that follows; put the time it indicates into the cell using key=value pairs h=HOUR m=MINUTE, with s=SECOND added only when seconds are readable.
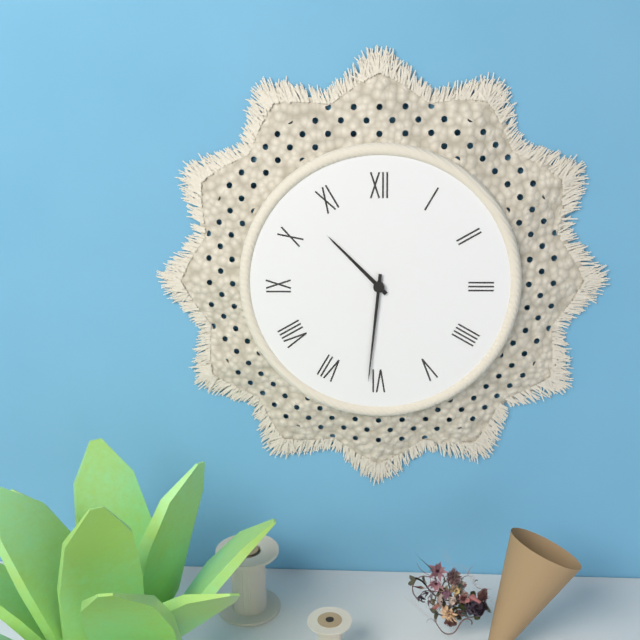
h=10 m=31
